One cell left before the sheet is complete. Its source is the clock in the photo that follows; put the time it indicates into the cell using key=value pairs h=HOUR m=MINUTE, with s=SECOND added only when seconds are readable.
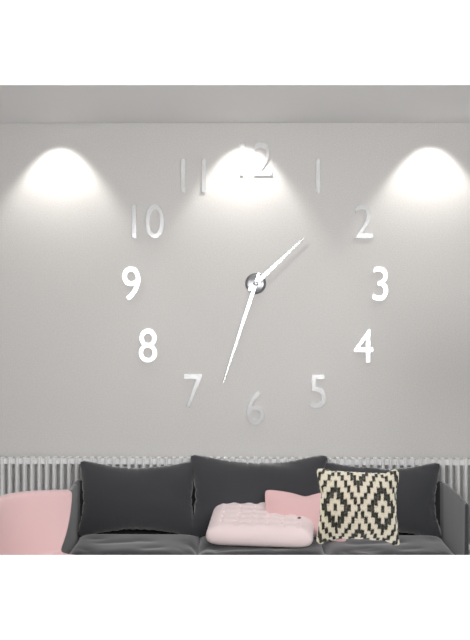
h=1 m=33
